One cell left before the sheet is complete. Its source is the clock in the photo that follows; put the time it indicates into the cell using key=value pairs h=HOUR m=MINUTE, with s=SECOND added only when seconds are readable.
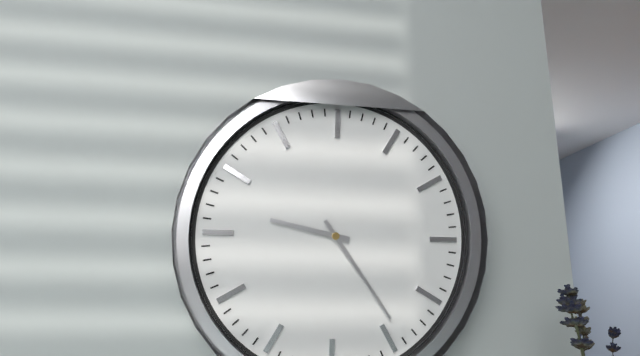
h=9 m=24
